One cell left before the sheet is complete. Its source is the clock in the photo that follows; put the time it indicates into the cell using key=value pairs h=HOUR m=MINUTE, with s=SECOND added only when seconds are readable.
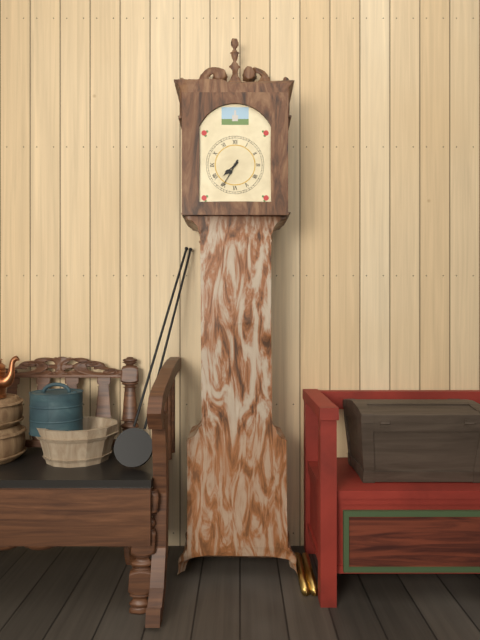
h=7 m=35
